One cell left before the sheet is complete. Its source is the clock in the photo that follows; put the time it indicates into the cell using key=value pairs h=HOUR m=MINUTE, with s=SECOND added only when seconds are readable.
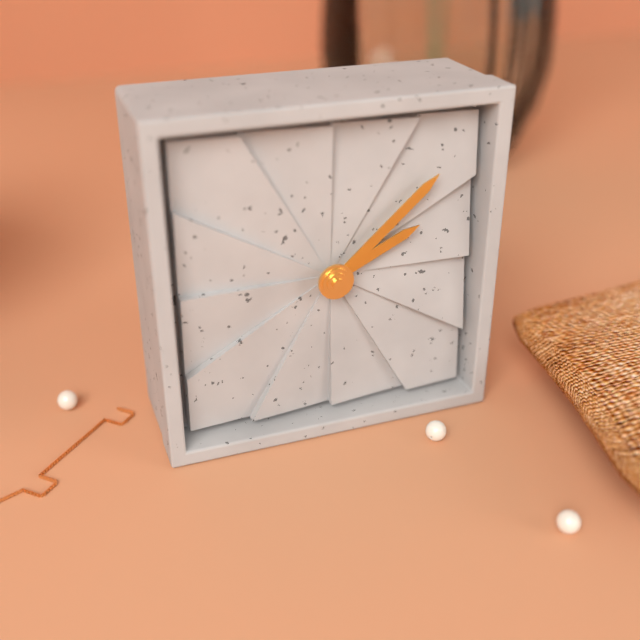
h=2 m=8
